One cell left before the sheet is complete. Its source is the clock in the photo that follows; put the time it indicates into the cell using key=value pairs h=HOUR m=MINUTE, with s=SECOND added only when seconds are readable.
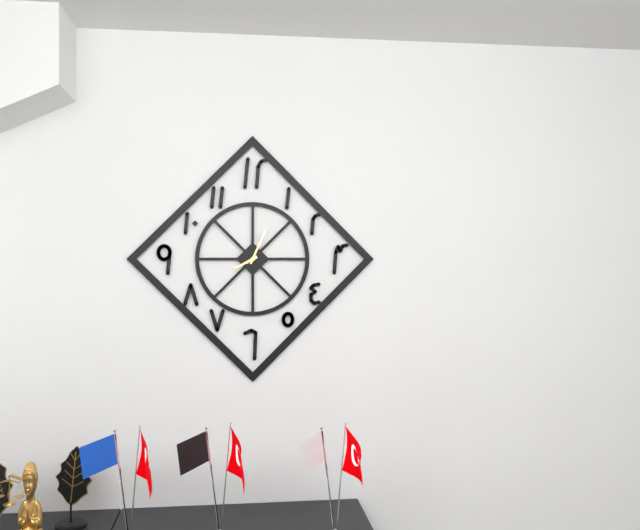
h=8 m=4
